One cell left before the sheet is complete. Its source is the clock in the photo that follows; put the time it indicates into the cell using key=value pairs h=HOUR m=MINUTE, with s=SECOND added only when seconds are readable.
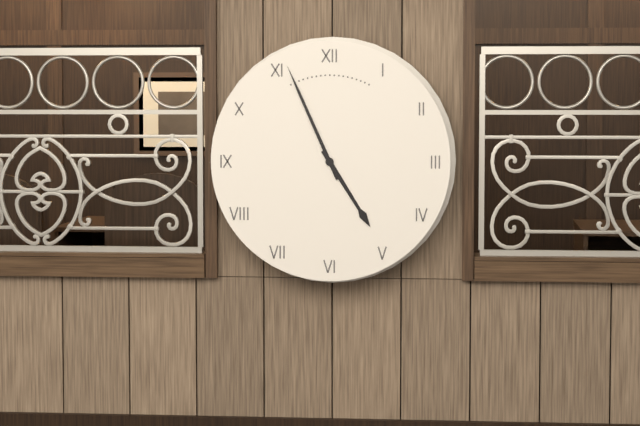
h=4 m=56
